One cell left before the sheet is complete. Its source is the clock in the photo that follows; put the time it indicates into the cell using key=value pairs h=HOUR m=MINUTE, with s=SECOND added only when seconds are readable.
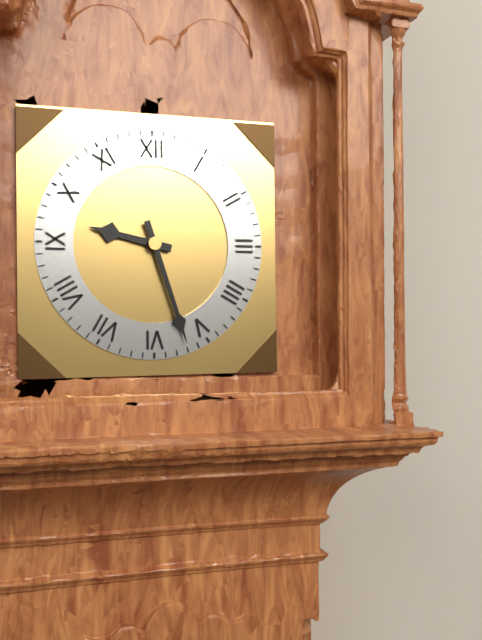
h=9 m=27
